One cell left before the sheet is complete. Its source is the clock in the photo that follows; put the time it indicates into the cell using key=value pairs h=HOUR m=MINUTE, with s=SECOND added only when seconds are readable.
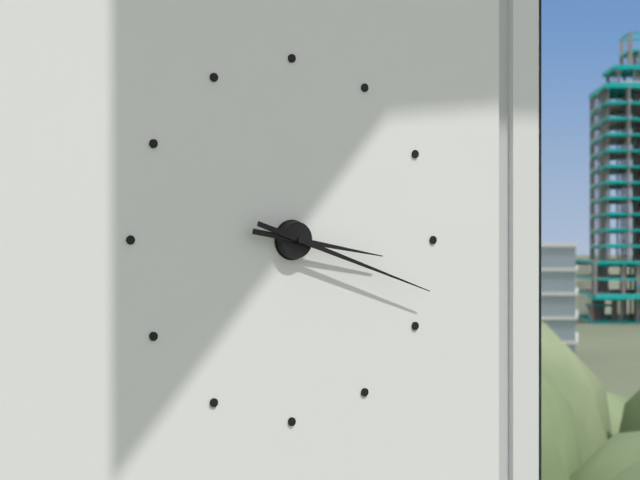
h=3 m=18
